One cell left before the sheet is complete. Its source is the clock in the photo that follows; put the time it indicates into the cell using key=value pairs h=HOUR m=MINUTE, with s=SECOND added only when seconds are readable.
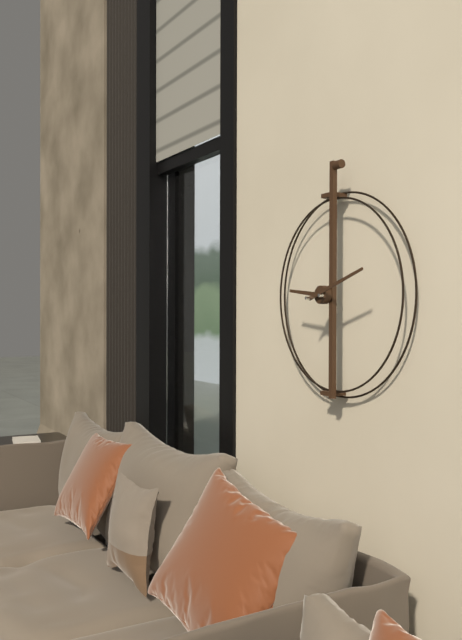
h=9 m=12
